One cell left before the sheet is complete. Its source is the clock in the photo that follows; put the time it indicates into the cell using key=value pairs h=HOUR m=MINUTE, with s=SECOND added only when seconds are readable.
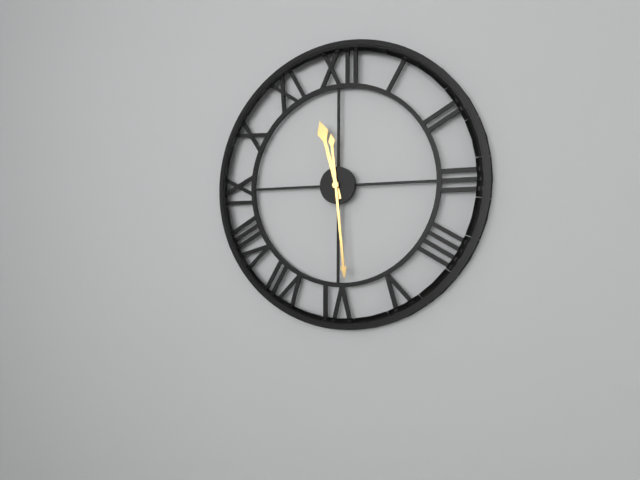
h=11 m=29
